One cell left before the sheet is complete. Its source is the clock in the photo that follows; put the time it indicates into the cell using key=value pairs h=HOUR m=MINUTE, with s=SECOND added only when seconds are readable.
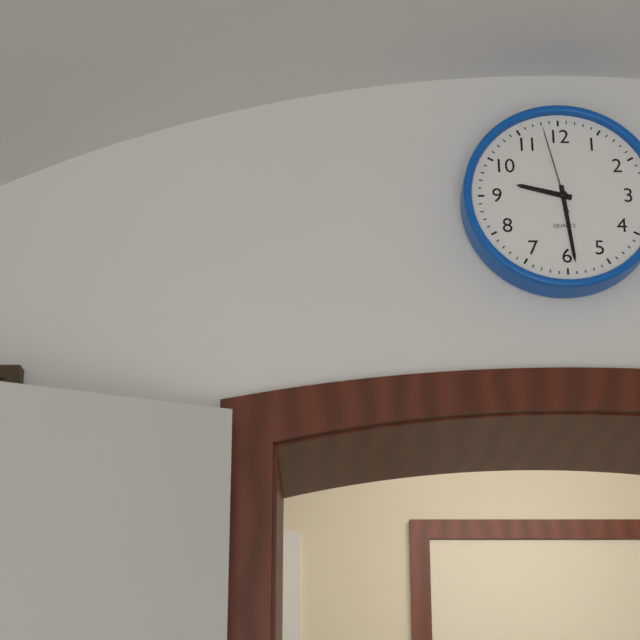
h=9 m=29 s=58
